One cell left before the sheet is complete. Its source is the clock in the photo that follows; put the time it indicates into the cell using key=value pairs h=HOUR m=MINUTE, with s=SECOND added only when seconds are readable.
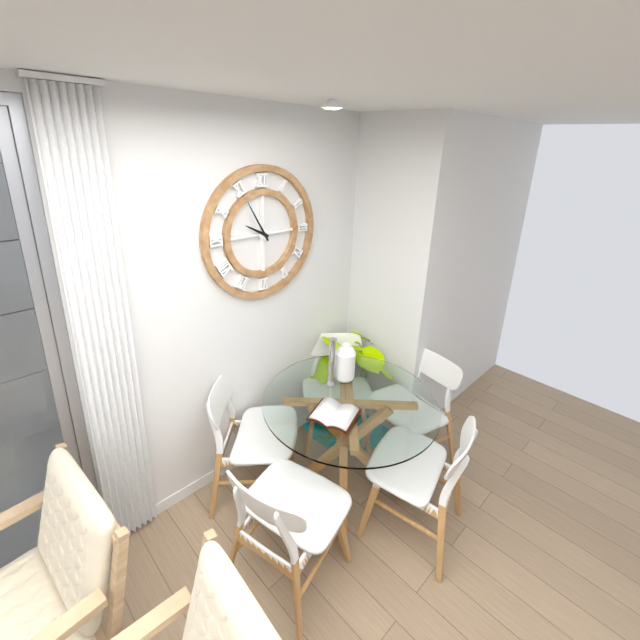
h=9 m=55
